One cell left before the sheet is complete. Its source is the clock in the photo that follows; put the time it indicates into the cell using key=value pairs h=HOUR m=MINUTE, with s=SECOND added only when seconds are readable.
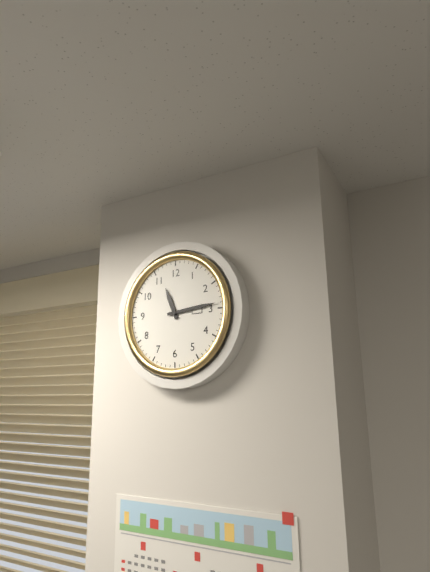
h=11 m=14
